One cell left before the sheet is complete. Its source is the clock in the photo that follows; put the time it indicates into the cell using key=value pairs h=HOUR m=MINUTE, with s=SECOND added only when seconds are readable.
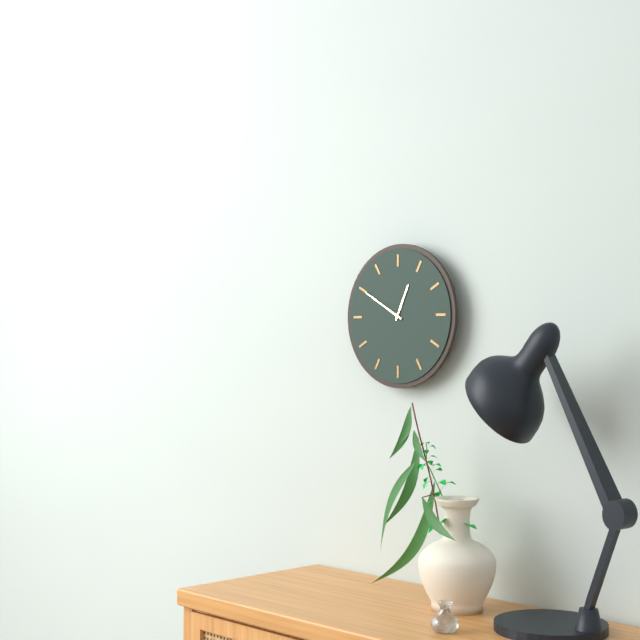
h=12 m=50
